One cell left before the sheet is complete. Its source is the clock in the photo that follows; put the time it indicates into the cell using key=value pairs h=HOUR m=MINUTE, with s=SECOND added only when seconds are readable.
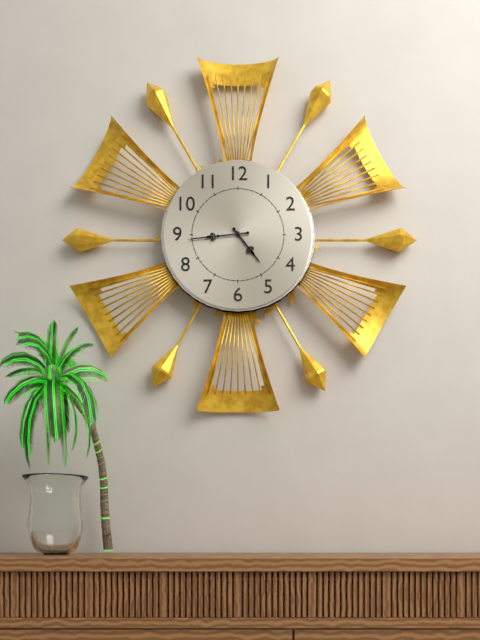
h=4 m=44
